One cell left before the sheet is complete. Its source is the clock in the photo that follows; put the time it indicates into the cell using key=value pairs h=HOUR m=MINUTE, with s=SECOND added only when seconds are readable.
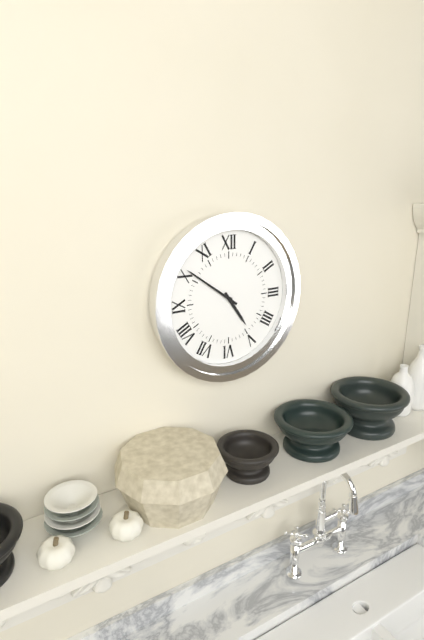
h=4 m=51
